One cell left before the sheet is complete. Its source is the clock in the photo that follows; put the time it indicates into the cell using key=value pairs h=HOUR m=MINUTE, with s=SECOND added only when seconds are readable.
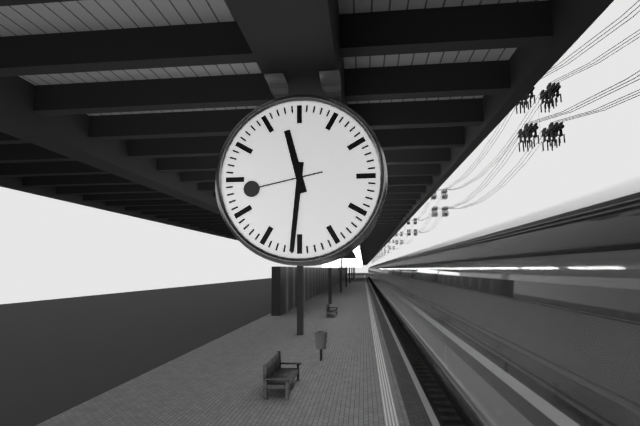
h=11 m=31 s=43
